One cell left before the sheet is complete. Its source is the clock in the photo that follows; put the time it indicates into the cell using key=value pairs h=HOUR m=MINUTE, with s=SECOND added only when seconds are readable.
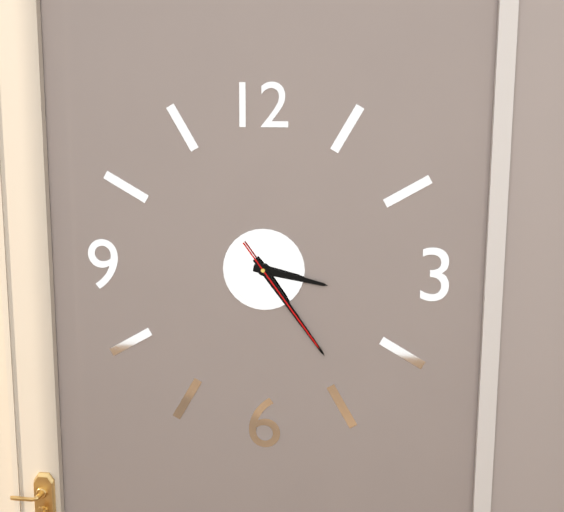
h=3 m=24 s=24
